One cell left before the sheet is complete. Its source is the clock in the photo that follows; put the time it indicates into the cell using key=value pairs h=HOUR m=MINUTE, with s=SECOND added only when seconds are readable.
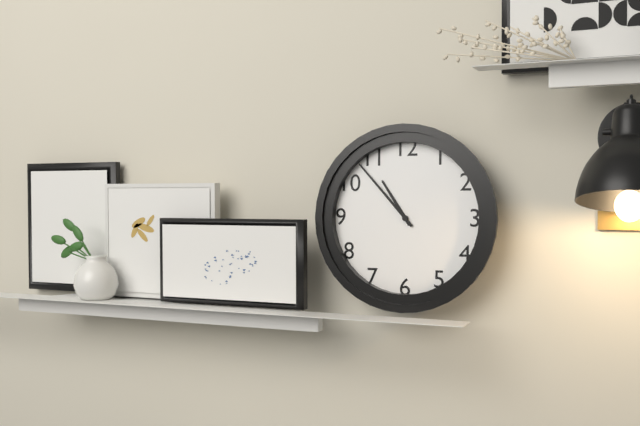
h=10 m=53
